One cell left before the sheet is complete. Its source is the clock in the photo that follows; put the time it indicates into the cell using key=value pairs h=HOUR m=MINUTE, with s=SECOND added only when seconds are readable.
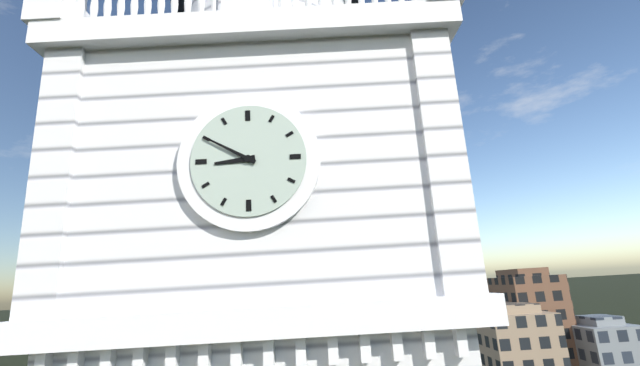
h=8 m=50
